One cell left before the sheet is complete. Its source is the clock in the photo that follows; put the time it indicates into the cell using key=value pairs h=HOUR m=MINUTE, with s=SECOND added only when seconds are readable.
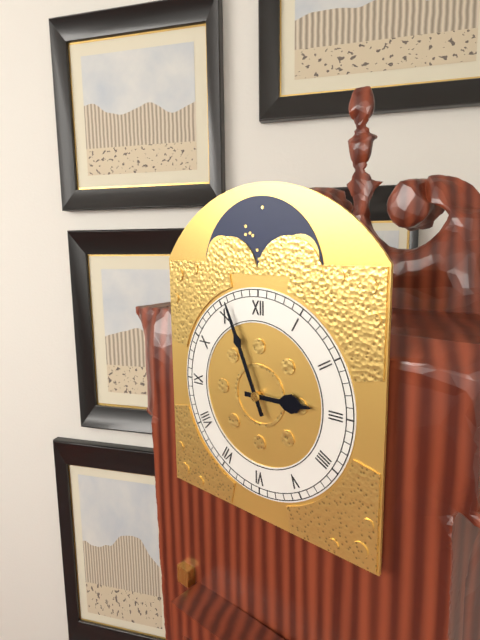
h=2 m=56
